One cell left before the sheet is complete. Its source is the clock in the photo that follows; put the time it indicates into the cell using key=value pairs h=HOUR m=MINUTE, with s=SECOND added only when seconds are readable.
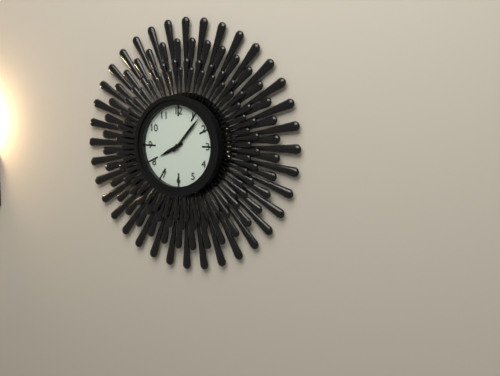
h=8 m=7
